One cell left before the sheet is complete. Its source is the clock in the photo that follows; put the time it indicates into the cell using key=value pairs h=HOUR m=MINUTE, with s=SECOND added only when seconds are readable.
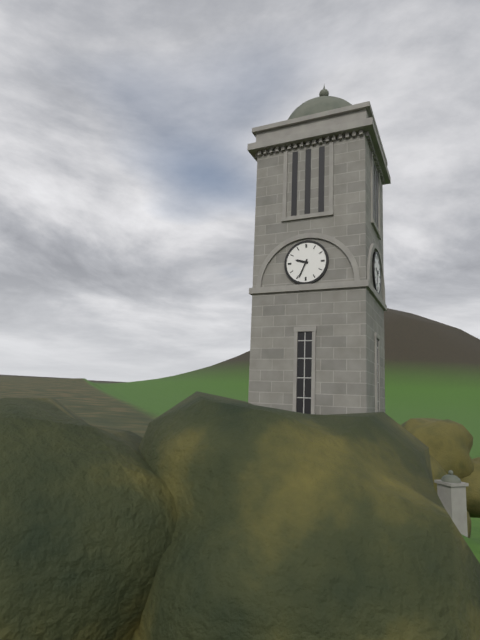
h=9 m=34
